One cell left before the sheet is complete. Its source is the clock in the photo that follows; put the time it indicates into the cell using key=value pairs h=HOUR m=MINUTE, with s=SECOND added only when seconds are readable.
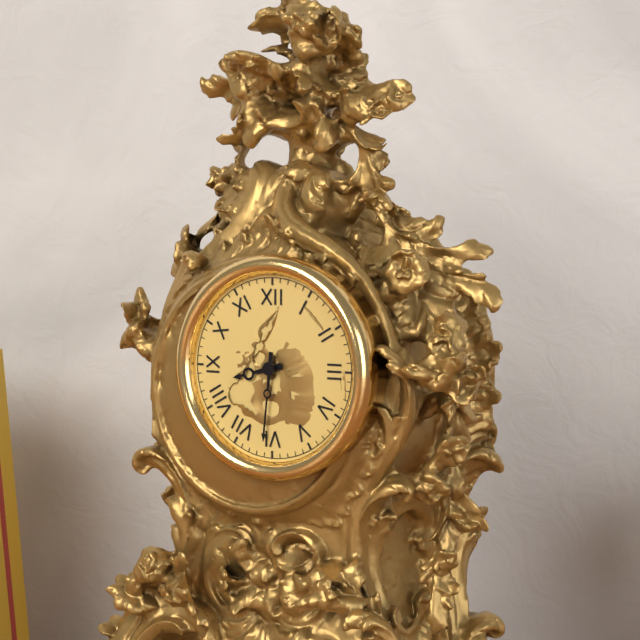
h=8 m=31
